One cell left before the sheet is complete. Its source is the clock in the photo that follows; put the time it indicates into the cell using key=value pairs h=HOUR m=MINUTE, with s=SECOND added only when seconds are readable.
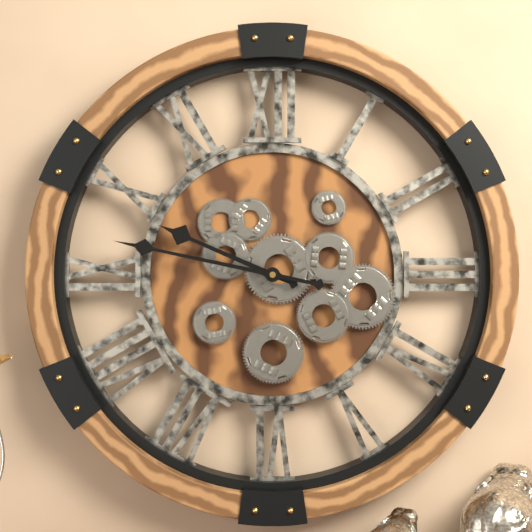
h=9 m=47
